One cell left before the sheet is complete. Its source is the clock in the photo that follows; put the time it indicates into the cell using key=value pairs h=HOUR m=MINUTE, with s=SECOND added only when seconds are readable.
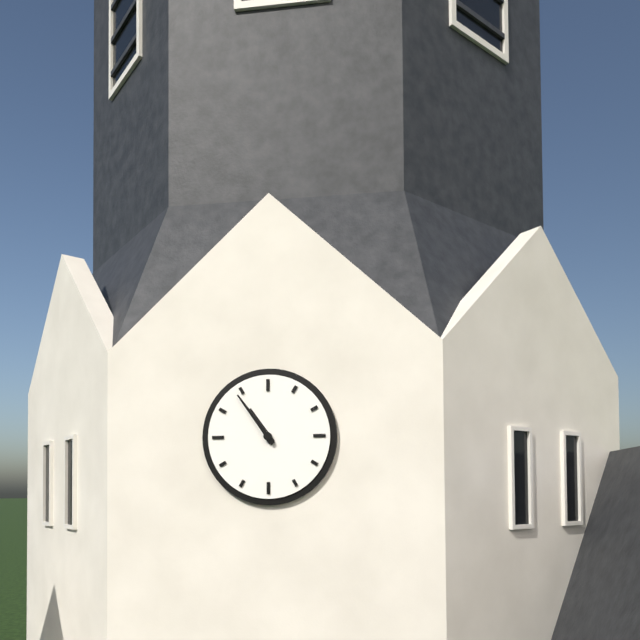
h=10 m=54
